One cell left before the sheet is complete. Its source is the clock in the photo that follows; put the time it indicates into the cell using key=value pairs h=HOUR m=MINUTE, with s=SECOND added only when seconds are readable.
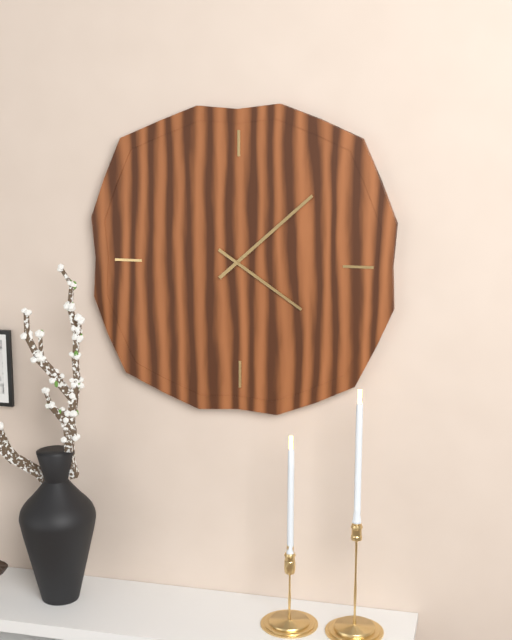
h=4 m=8
